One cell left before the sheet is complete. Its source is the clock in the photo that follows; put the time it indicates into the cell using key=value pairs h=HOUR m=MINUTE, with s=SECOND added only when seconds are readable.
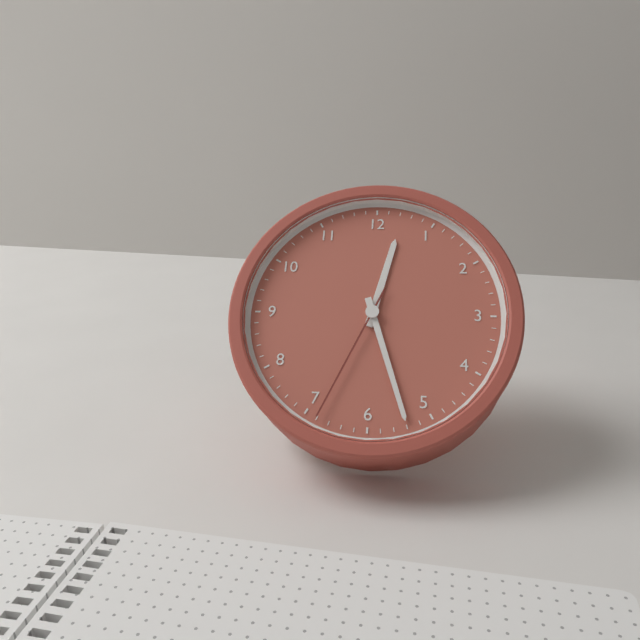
h=12 m=27 s=34
